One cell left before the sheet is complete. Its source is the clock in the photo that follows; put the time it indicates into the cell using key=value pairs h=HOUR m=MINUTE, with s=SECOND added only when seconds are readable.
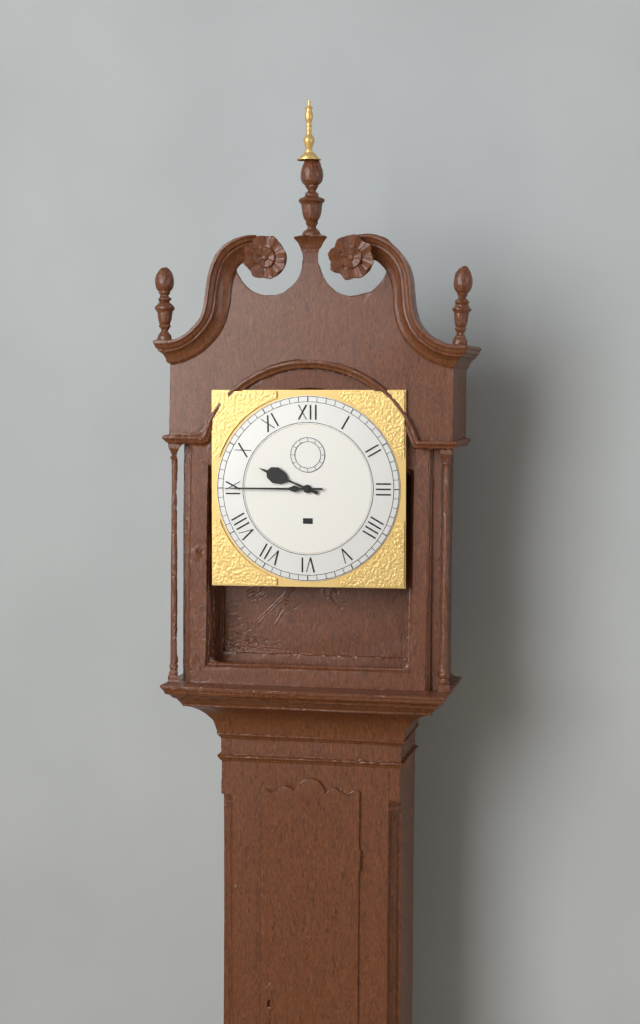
h=9 m=45
